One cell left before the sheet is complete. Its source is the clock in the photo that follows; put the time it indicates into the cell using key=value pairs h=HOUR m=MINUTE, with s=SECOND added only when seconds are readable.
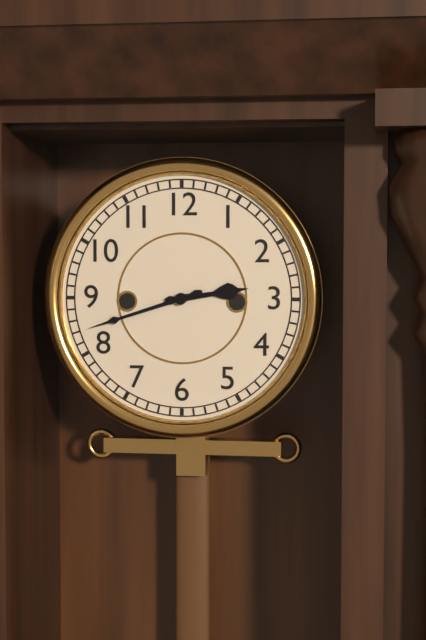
h=2 m=42
